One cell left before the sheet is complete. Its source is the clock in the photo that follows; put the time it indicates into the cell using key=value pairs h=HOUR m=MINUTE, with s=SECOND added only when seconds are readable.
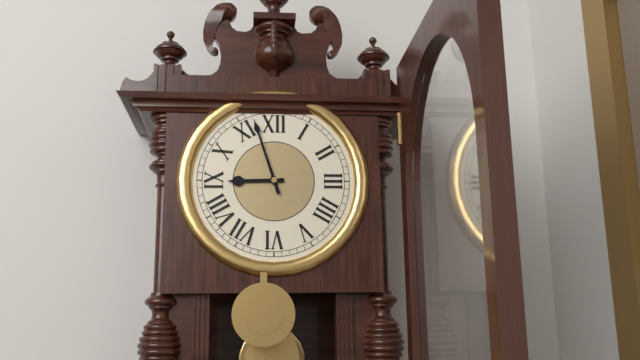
h=8 m=57
